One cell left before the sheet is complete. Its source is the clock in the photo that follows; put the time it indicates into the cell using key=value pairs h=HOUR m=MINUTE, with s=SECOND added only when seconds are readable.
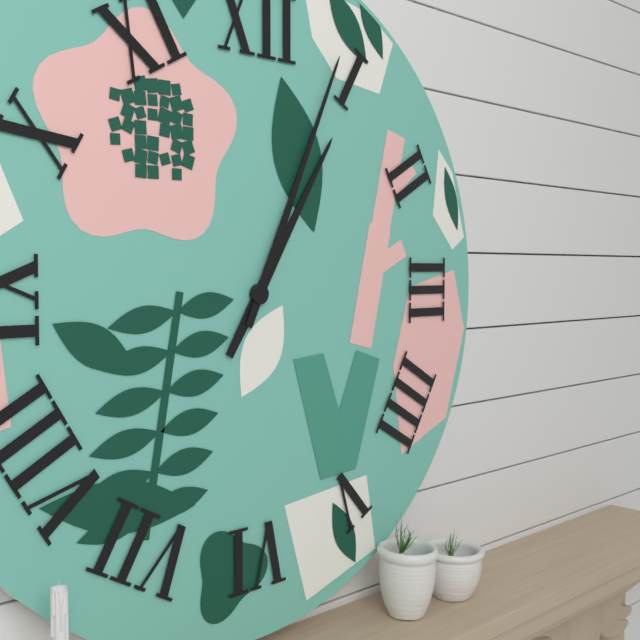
h=1 m=4
